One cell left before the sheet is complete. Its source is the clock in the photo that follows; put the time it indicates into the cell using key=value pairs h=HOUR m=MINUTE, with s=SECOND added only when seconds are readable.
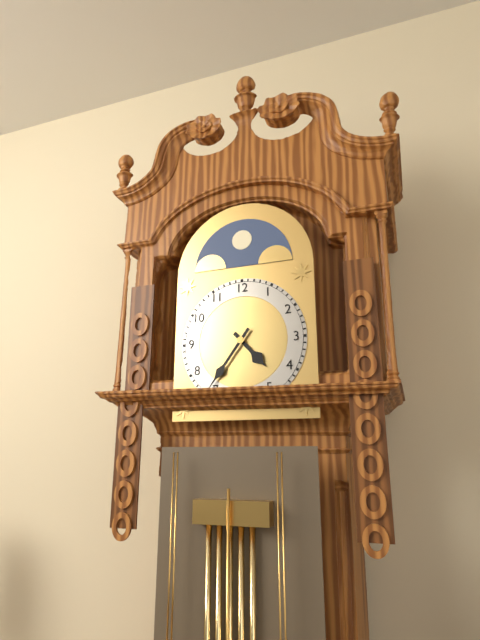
h=4 m=36
